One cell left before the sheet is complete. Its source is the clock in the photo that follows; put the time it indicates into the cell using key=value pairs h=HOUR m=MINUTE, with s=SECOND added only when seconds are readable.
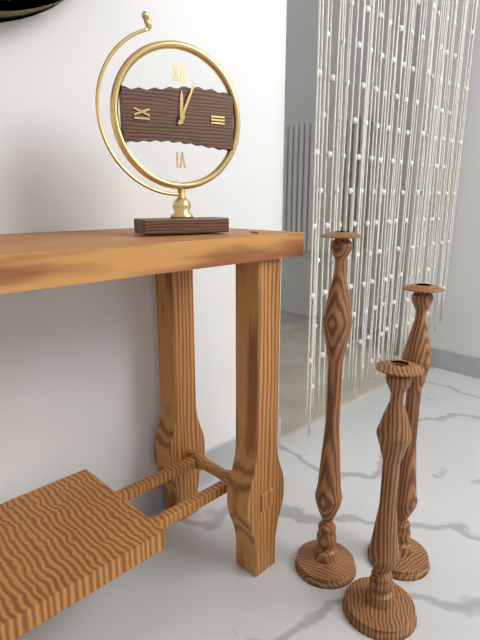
h=12 m=4
